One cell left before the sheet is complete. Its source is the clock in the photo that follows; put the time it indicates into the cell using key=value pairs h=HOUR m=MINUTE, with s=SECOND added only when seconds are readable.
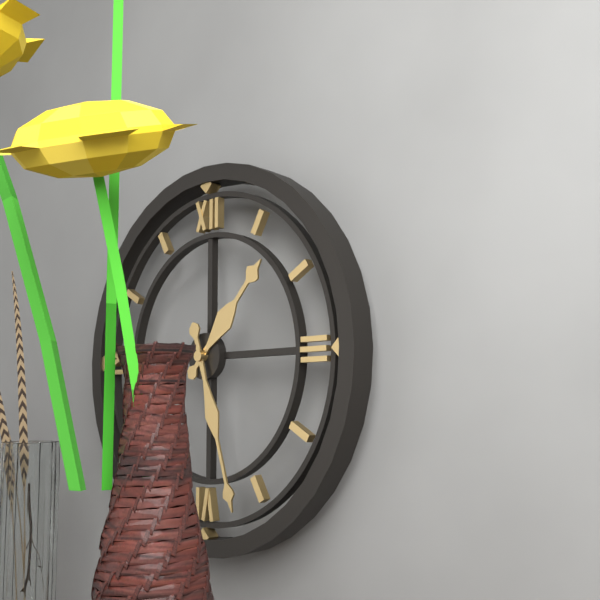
h=1 m=27
